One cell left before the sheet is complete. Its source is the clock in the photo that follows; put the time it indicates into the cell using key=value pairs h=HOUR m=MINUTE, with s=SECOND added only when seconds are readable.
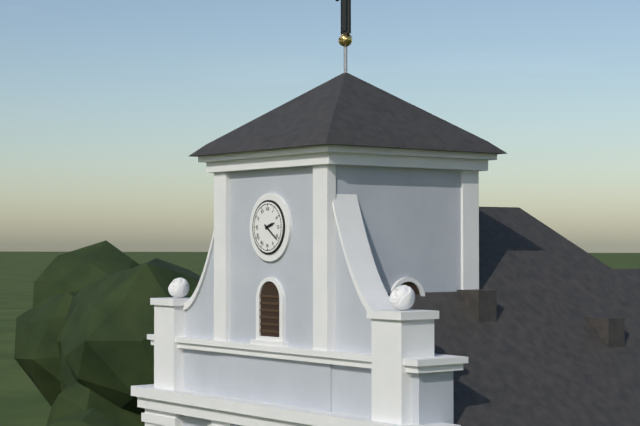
h=2 m=21
